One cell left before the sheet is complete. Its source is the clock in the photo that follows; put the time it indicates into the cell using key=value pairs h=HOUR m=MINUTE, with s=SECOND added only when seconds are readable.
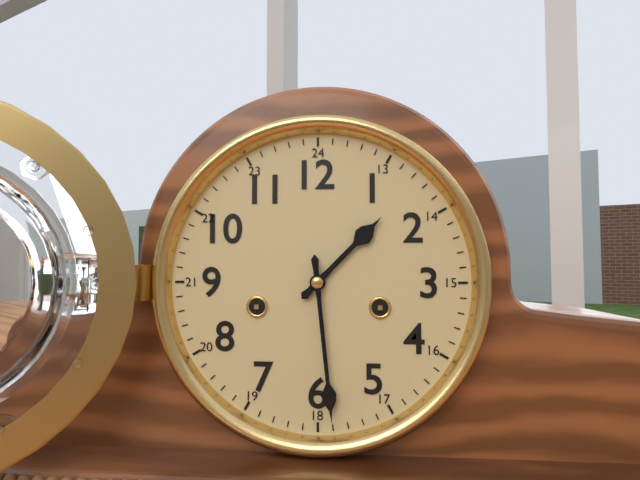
h=1 m=29
